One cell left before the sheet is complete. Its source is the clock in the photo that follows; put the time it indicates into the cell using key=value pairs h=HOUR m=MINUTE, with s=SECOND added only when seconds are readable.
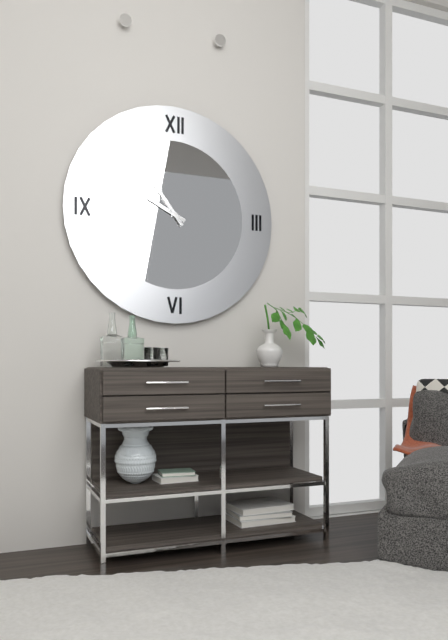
h=9 m=54
